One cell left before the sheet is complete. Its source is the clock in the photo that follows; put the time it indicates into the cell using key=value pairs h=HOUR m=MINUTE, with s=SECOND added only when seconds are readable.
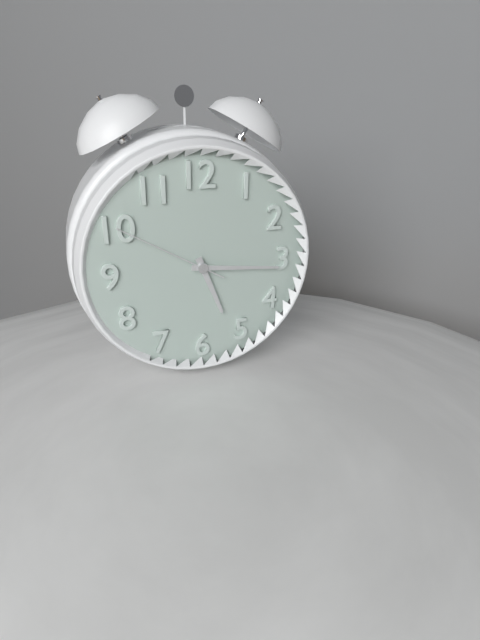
h=5 m=16 s=50
